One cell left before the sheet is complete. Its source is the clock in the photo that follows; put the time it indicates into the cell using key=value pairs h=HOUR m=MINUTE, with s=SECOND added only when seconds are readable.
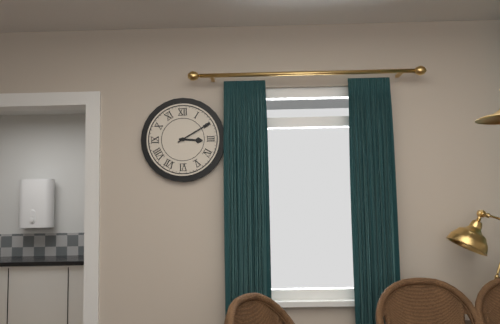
h=3 m=10
